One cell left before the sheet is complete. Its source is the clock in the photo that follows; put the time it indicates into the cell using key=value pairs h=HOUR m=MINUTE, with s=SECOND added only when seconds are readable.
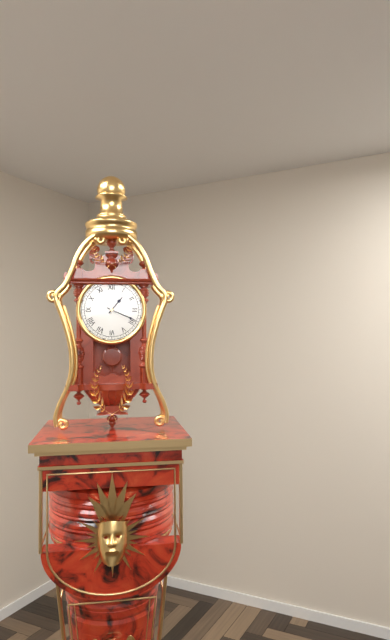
h=1 m=19
